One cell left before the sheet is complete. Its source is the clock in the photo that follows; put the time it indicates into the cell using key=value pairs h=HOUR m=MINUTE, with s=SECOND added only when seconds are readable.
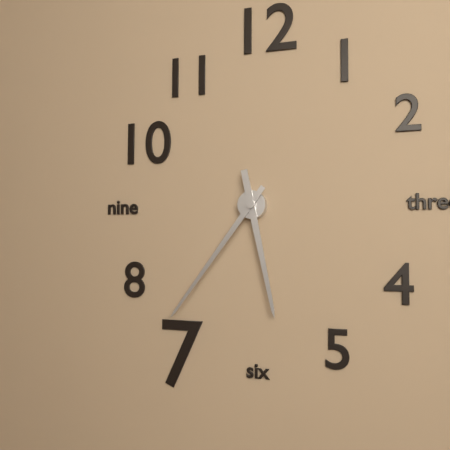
h=5 m=36
